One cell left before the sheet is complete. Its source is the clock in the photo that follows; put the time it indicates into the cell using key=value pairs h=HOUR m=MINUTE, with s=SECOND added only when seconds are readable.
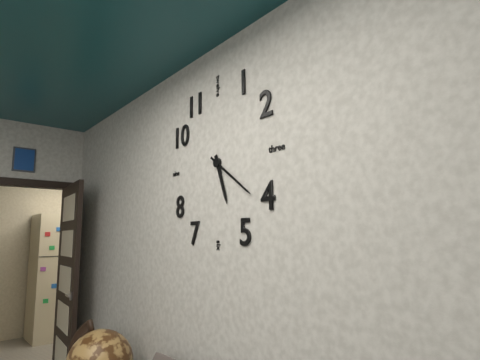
h=5 m=21
